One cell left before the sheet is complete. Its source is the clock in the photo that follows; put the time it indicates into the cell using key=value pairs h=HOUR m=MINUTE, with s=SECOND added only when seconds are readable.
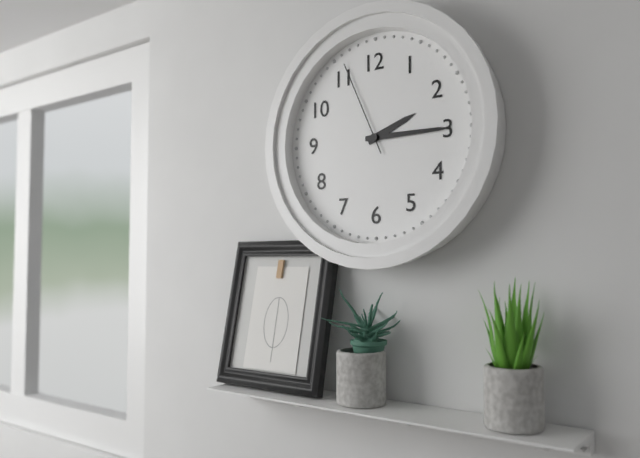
h=2 m=15 s=56
